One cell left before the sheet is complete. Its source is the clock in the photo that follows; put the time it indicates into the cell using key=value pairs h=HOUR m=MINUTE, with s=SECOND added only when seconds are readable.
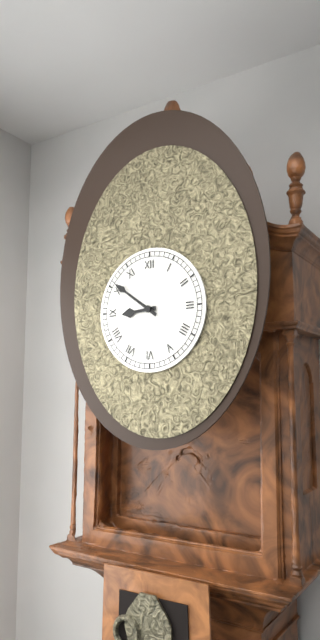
h=8 m=51
